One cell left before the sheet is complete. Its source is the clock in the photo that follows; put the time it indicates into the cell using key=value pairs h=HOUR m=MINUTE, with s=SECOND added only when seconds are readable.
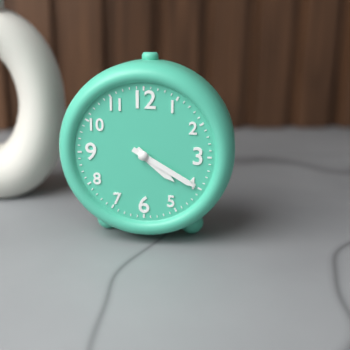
h=4 m=20
